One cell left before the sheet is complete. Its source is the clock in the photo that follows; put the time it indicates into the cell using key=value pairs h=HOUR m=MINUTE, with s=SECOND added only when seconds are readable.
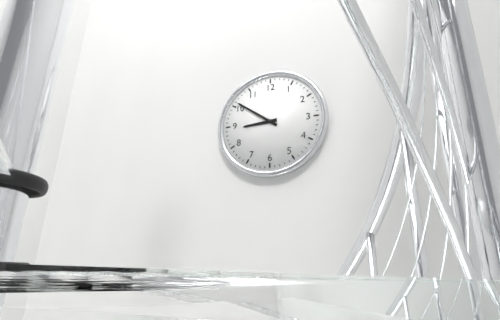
h=8 m=51
